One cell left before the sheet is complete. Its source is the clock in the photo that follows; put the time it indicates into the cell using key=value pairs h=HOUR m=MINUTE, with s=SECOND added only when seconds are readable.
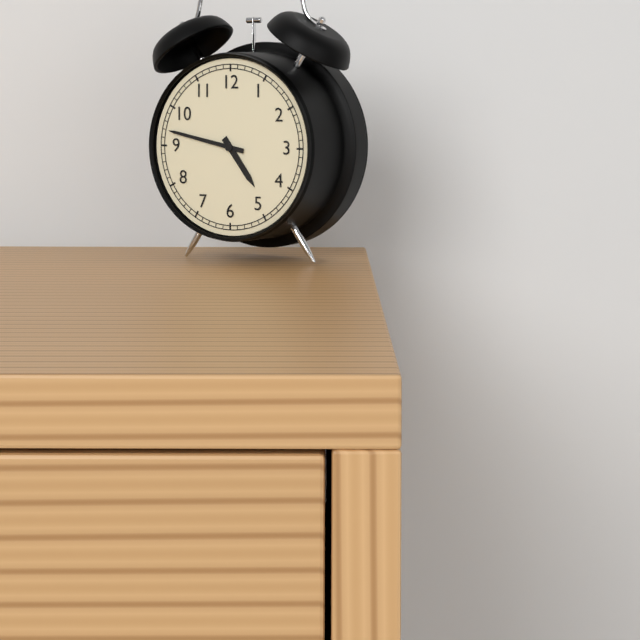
h=4 m=47
